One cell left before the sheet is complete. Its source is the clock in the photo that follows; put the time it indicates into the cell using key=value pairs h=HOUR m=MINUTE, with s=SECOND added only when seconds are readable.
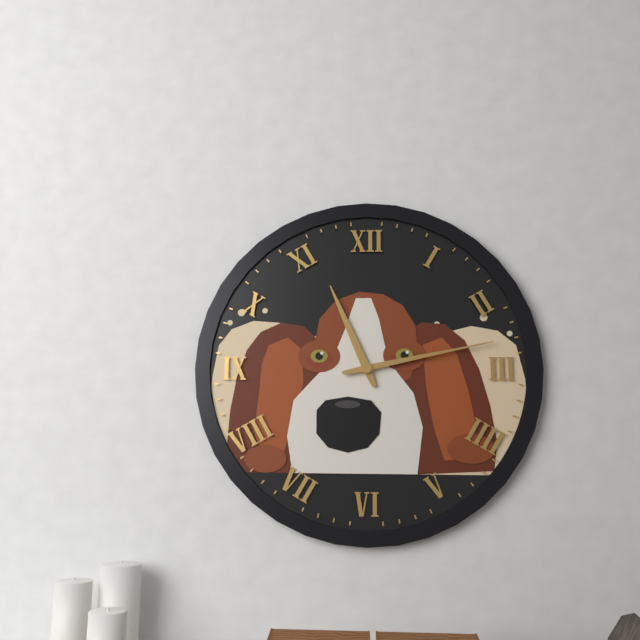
h=11 m=13
